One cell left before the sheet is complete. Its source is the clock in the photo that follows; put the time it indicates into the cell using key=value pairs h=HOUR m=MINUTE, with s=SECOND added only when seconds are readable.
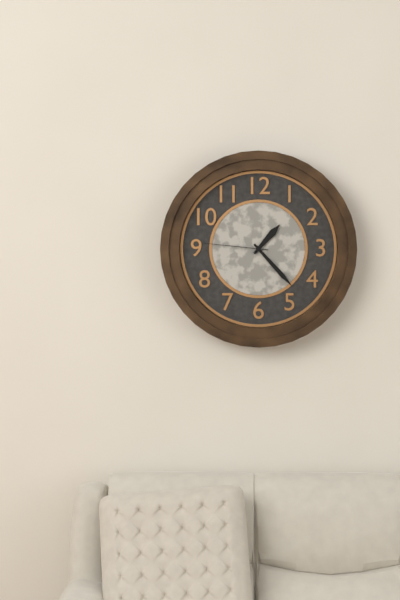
h=1 m=23 s=46
